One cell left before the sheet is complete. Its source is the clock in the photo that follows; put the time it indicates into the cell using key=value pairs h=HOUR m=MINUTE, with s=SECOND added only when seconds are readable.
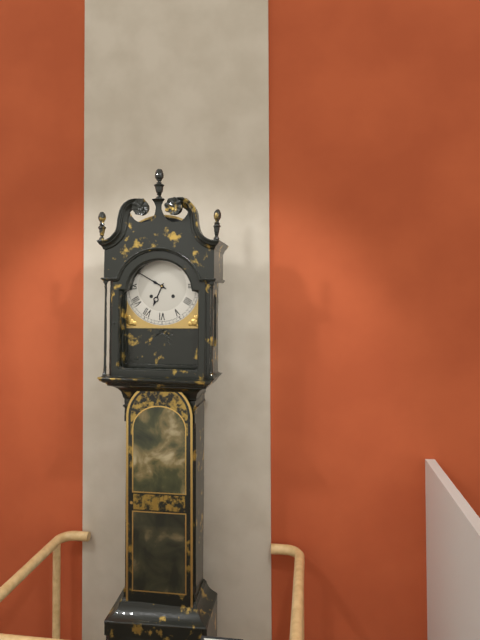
h=6 m=50
